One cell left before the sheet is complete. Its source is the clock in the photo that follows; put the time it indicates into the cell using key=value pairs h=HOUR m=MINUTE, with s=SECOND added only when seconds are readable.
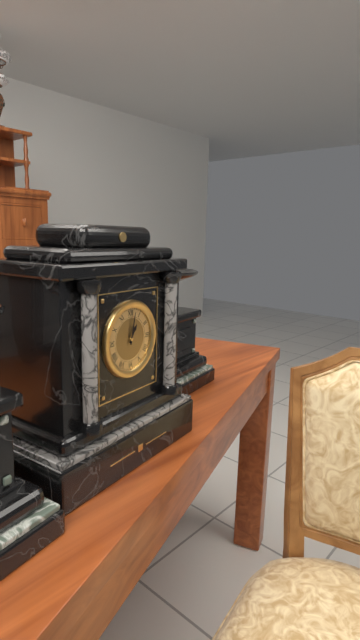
h=1 m=2
